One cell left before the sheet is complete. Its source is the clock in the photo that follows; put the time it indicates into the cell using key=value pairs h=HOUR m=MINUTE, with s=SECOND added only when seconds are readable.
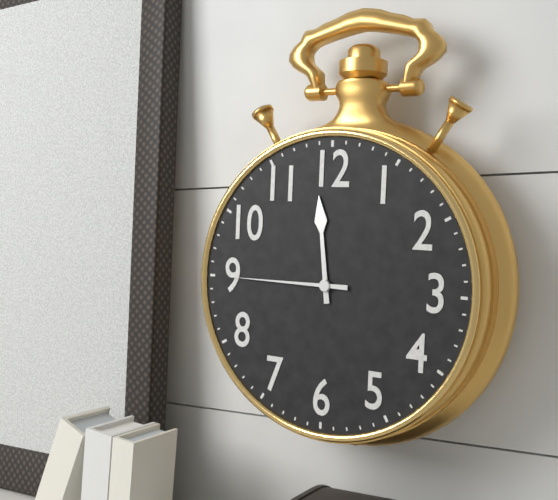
h=11 m=45
